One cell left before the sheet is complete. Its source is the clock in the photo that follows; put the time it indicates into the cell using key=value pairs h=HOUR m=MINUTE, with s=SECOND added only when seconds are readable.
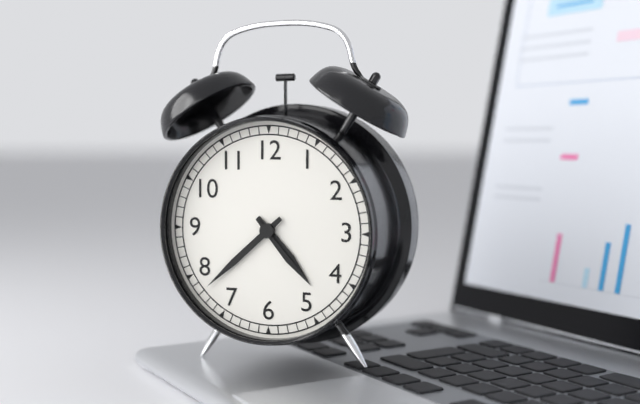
h=4 m=38 s=23
